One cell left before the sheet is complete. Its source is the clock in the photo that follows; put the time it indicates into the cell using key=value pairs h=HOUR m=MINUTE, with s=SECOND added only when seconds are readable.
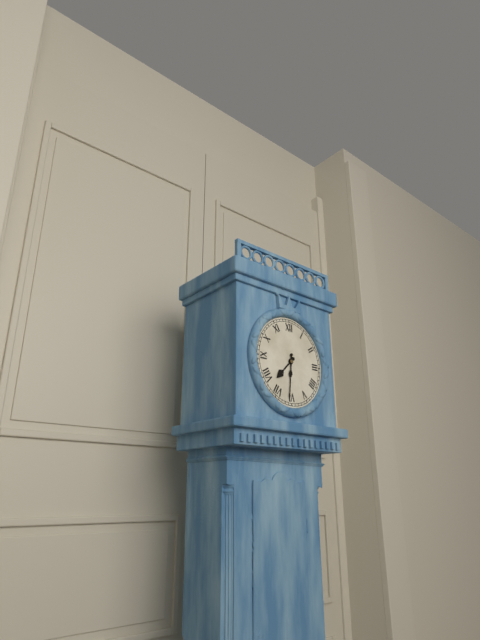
h=7 m=31
